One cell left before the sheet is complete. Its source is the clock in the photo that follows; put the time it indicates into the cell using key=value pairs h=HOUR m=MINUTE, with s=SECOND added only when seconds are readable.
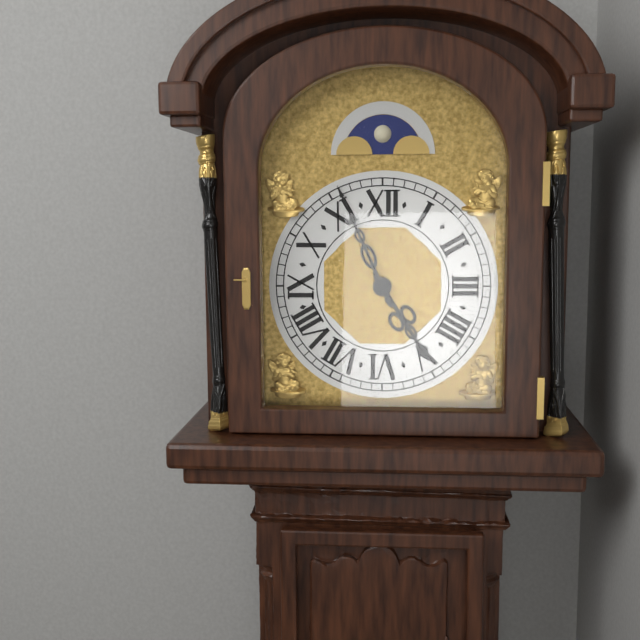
h=4 m=56
